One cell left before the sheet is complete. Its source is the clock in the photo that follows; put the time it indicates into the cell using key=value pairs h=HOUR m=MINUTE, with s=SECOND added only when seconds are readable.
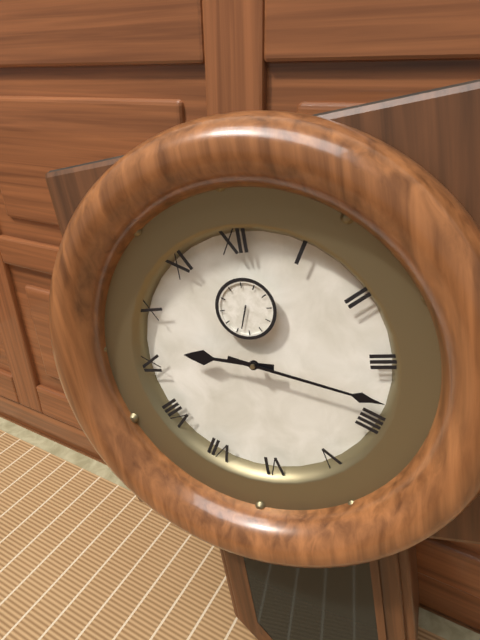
h=9 m=18
